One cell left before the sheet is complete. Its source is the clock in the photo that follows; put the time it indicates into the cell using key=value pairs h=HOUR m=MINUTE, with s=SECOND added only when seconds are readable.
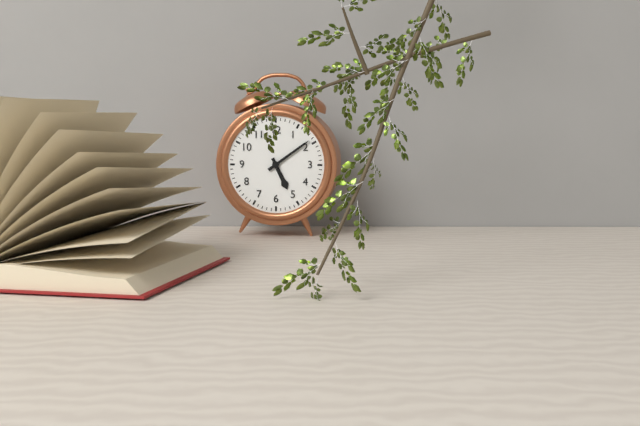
h=5 m=9
